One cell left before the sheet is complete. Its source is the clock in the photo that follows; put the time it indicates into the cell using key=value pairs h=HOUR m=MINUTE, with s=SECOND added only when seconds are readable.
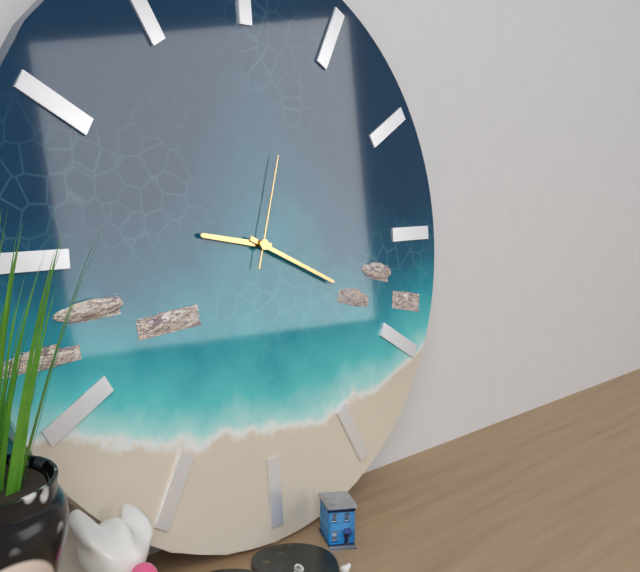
h=9 m=19 s=3
